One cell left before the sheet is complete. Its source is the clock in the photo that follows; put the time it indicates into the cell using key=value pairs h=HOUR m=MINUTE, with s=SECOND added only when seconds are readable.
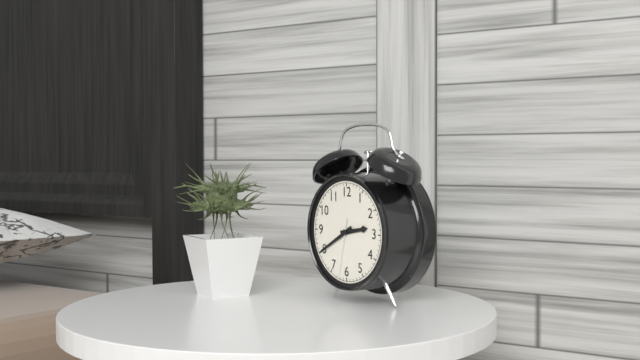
h=2 m=40 s=32
